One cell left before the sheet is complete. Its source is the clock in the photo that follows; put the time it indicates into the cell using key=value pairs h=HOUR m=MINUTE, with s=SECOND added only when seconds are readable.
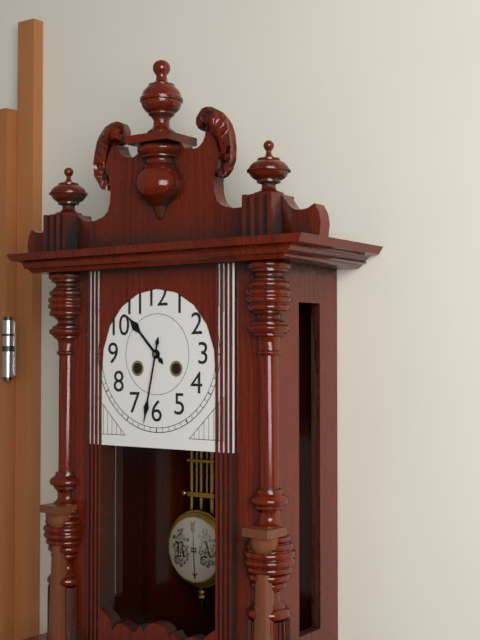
h=10 m=32
